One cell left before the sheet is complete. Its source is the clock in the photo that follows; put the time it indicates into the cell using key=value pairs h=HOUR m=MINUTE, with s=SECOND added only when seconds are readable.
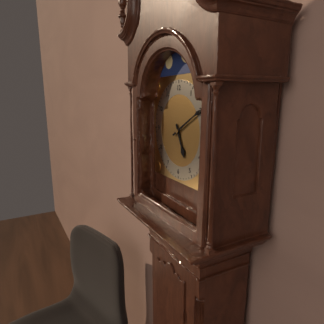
h=5 m=10
